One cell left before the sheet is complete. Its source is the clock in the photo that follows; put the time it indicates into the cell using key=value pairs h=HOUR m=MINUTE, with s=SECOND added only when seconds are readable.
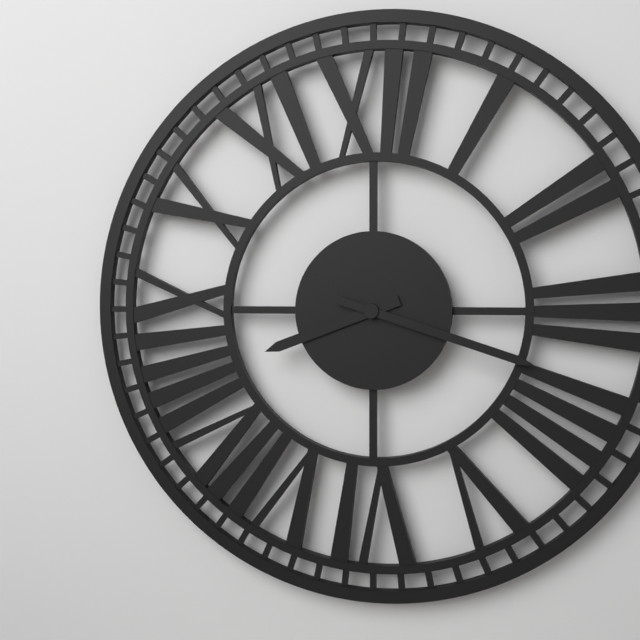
h=8 m=18
